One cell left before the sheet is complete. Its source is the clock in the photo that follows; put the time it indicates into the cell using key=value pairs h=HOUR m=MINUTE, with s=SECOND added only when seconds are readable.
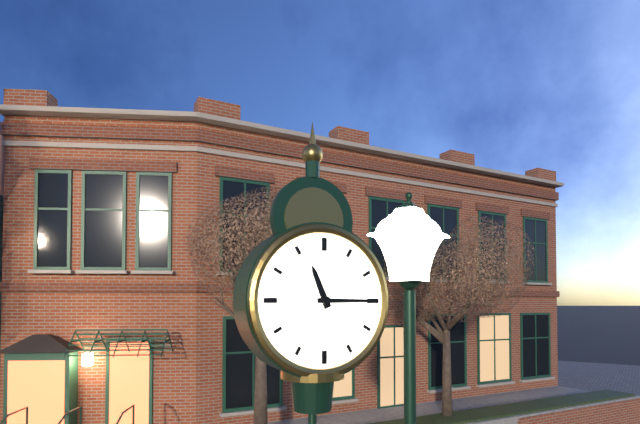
h=11 m=15
